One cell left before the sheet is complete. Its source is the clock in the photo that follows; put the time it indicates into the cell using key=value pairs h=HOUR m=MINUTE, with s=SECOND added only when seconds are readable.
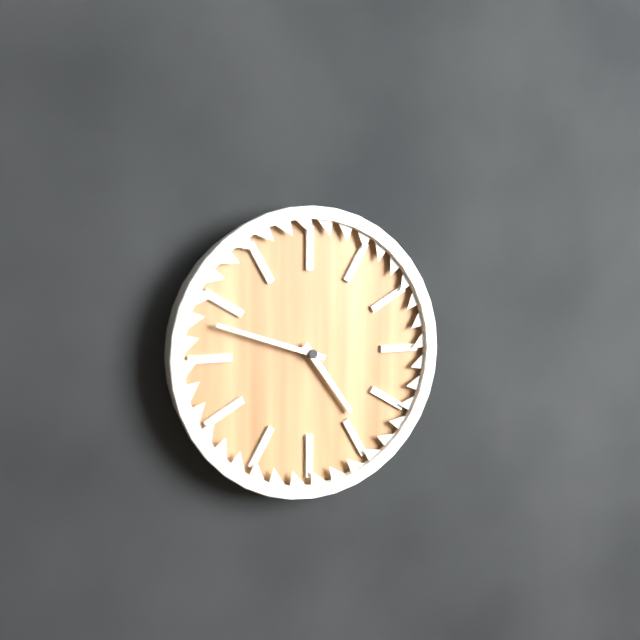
h=4 m=48
